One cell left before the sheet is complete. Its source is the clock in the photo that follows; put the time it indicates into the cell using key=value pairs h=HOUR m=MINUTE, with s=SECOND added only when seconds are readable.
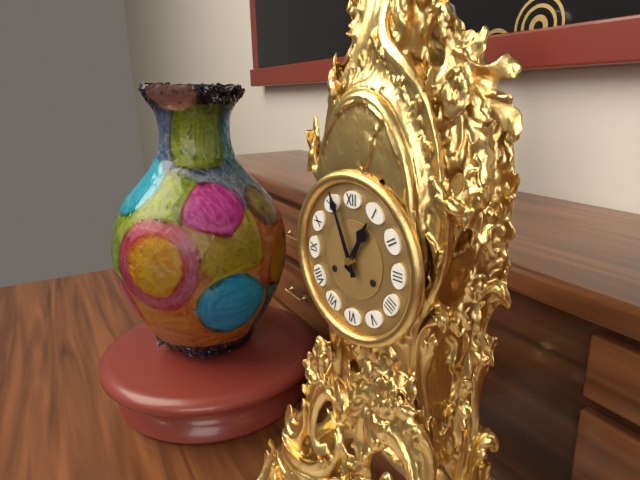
h=12 m=56
